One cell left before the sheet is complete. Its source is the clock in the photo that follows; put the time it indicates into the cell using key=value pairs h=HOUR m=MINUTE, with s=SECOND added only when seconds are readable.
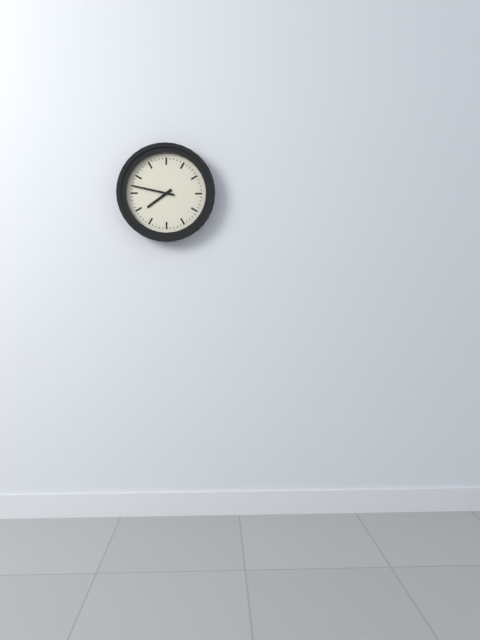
h=7 m=47
